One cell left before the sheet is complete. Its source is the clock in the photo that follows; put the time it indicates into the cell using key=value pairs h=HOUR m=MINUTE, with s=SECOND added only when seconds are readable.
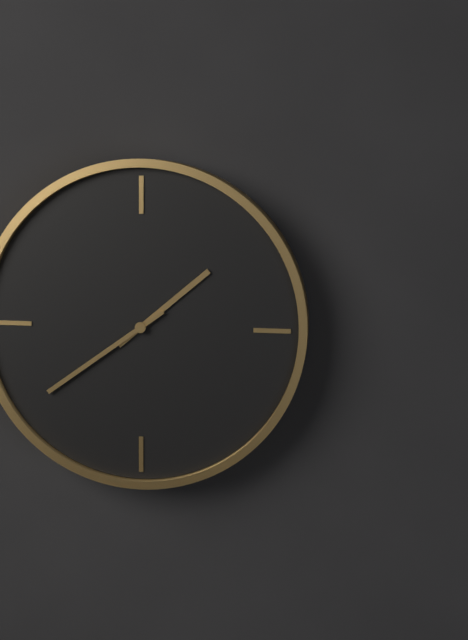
h=1 m=39
